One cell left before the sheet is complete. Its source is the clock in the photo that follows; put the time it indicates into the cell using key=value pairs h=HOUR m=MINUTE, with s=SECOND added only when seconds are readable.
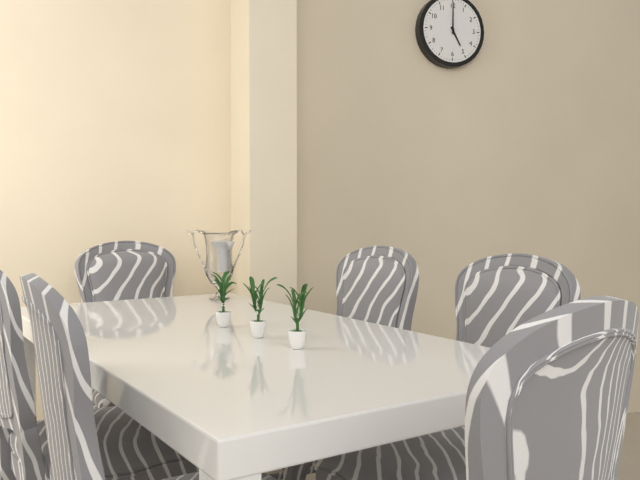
h=5 m=0
